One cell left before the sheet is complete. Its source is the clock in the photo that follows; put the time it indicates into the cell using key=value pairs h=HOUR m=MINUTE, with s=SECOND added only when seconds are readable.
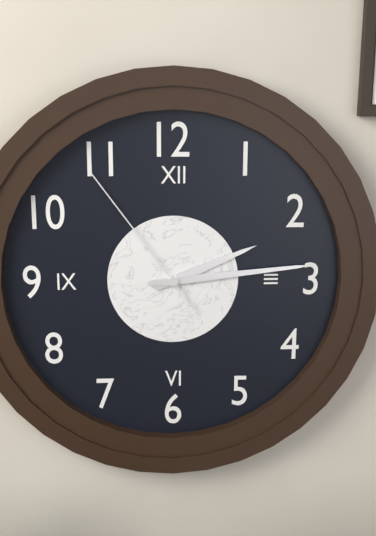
h=2 m=14 s=54
